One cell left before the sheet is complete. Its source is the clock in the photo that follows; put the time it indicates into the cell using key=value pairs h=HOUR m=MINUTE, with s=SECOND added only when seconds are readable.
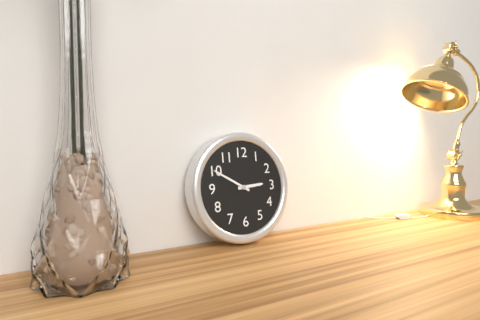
h=2 m=50
